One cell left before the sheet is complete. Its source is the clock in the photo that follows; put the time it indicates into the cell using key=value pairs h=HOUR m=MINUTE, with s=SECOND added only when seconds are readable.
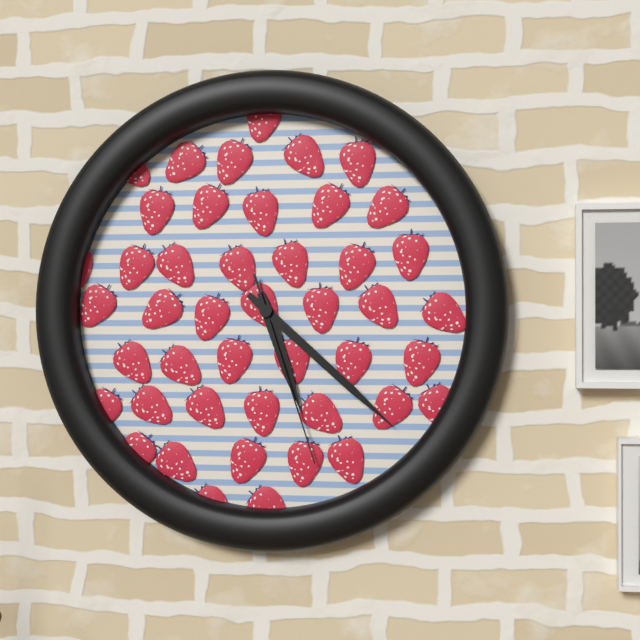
h=5 m=22 s=27
